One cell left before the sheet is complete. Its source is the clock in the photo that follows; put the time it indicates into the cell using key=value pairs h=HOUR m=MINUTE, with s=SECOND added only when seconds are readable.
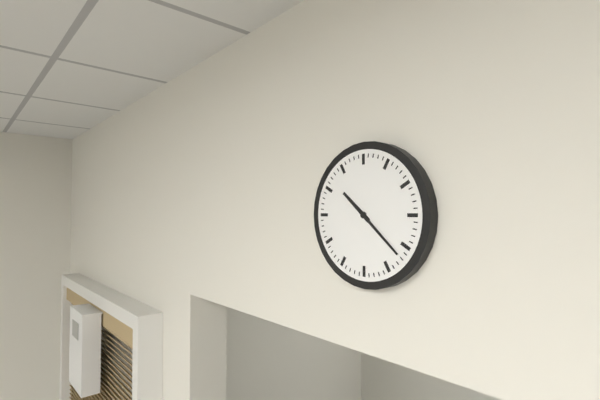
h=10 m=22
